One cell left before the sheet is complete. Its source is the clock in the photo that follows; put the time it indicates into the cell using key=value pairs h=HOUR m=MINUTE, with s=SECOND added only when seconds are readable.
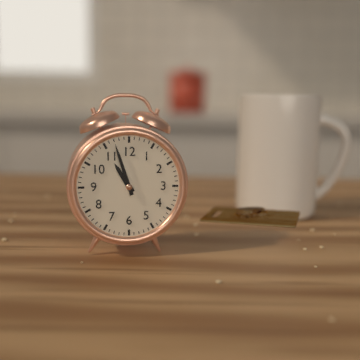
h=10 m=57
